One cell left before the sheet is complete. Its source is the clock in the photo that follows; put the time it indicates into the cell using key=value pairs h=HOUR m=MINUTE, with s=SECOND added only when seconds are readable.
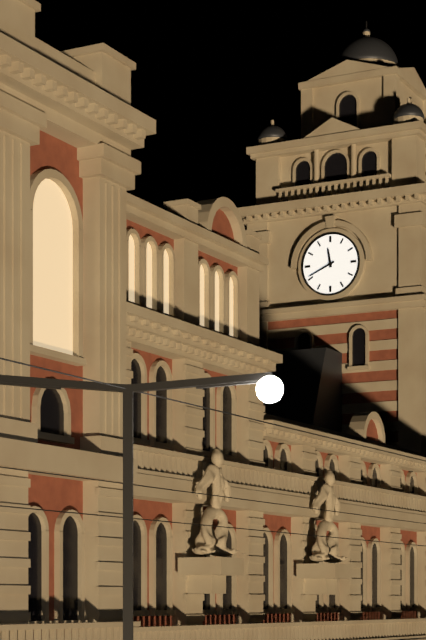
h=11 m=41
